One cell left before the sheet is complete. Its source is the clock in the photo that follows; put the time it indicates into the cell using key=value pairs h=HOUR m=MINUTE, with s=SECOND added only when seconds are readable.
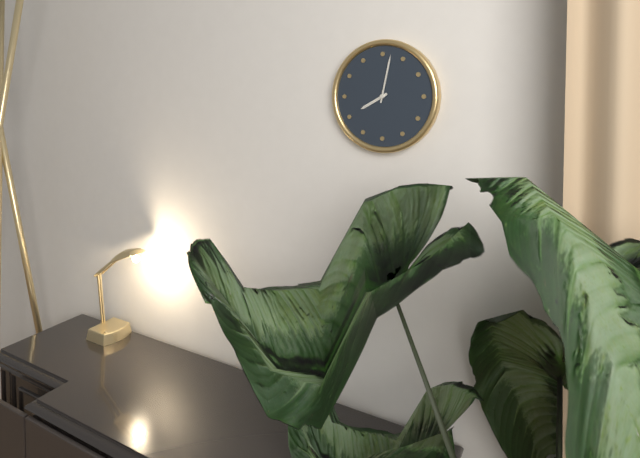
h=8 m=2
